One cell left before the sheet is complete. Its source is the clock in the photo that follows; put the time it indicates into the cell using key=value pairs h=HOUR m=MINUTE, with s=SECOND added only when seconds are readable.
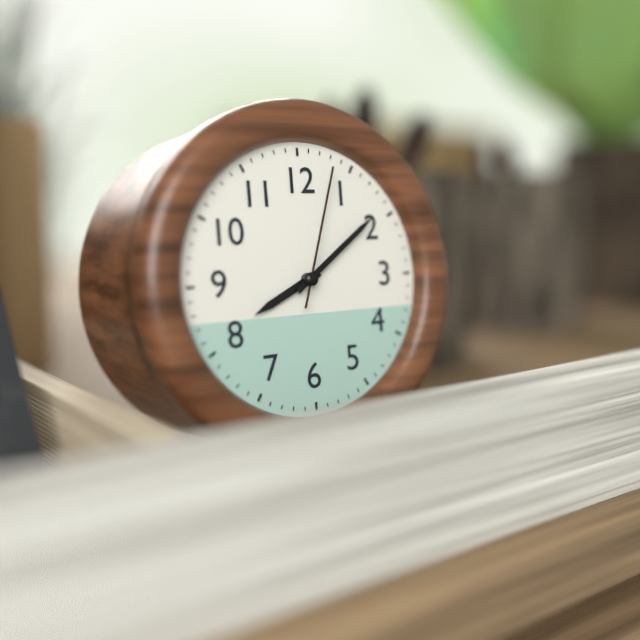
h=8 m=9 s=3
